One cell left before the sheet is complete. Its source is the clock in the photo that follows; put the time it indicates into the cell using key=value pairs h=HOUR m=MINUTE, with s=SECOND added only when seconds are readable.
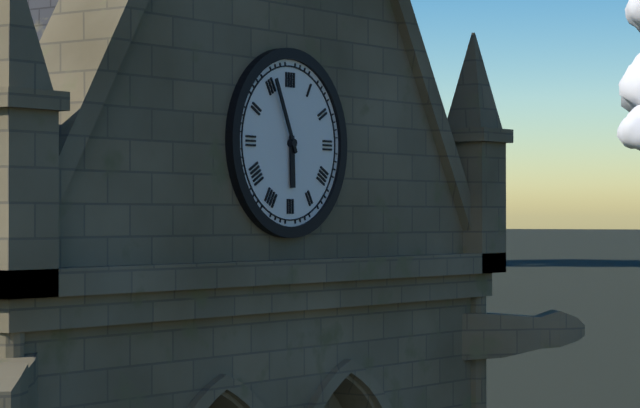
h=5 m=56
